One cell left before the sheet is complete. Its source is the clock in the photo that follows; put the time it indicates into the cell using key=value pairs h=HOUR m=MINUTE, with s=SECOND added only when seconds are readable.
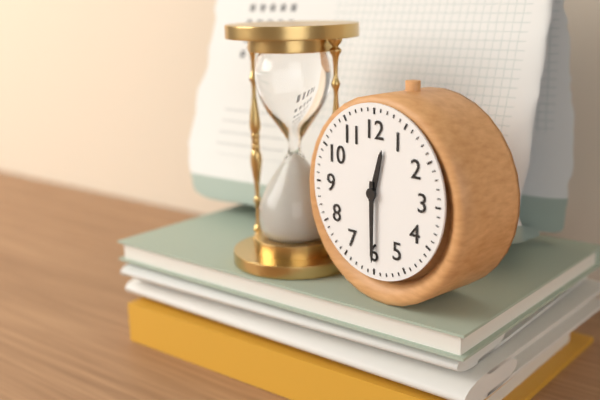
h=12 m=30
